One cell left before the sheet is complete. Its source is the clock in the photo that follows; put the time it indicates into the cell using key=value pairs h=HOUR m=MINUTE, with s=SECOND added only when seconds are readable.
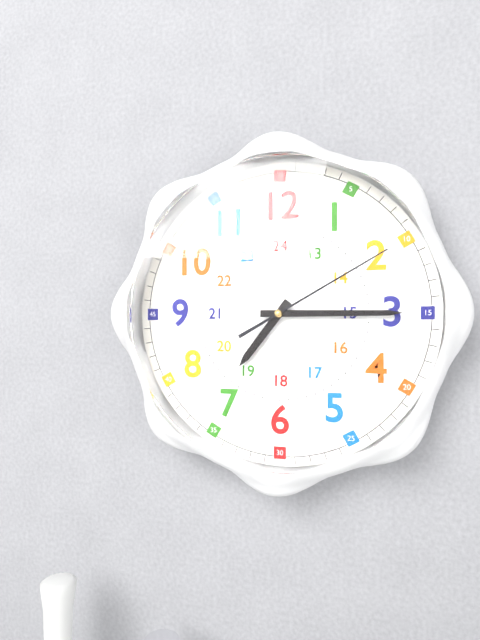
h=7 m=15 s=10
